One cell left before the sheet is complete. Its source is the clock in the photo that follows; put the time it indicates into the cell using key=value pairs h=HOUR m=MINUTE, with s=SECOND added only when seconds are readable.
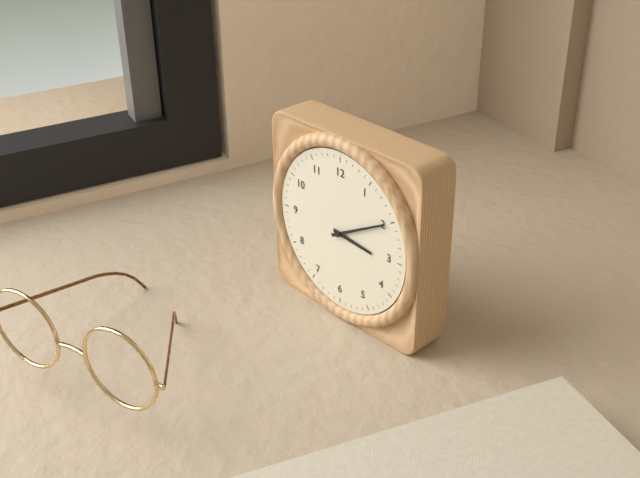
h=3 m=10
